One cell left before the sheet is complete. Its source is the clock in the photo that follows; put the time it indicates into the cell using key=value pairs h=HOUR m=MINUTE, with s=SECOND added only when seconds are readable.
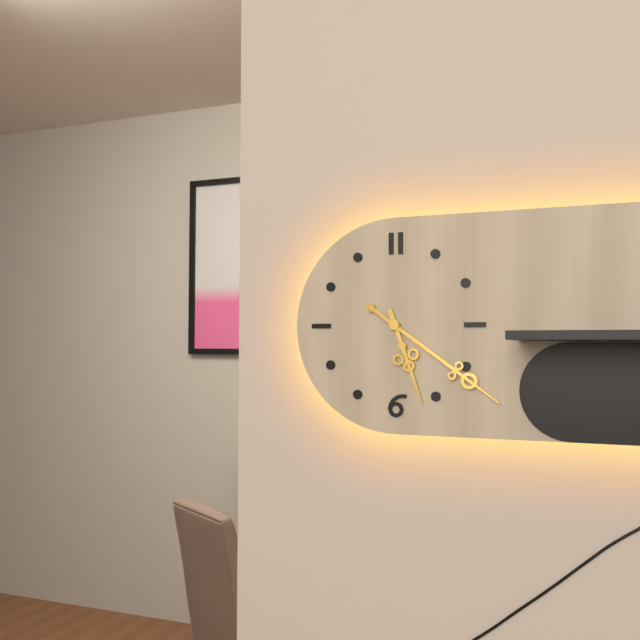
h=5 m=21
